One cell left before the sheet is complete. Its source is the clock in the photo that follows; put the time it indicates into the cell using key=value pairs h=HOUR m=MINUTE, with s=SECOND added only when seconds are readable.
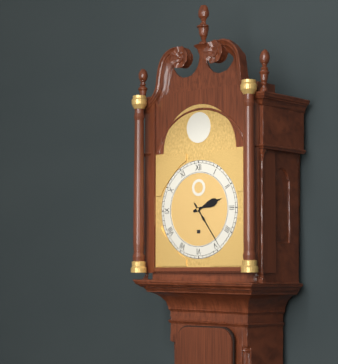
h=2 m=24
